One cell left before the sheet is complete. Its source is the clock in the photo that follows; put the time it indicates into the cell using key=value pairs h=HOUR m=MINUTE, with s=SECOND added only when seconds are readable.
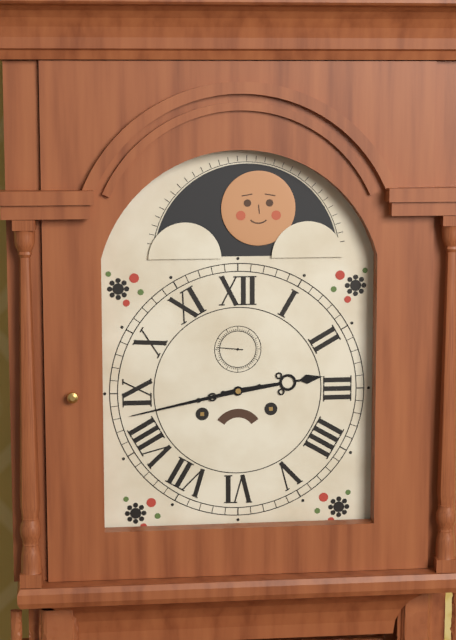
h=2 m=43
